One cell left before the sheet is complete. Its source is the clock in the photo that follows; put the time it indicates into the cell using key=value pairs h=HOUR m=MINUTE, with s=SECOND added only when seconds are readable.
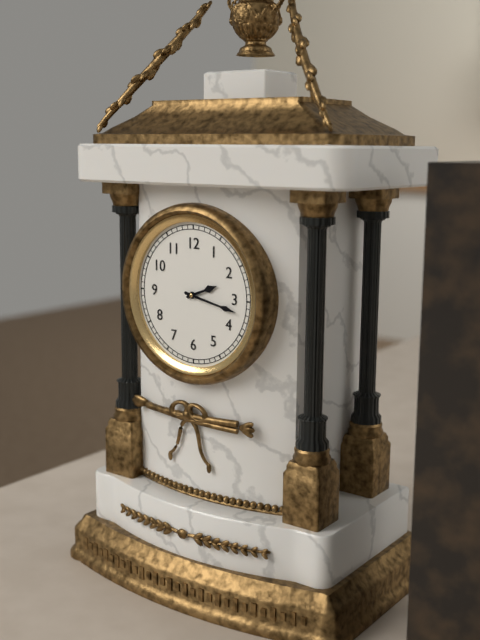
h=2 m=17
